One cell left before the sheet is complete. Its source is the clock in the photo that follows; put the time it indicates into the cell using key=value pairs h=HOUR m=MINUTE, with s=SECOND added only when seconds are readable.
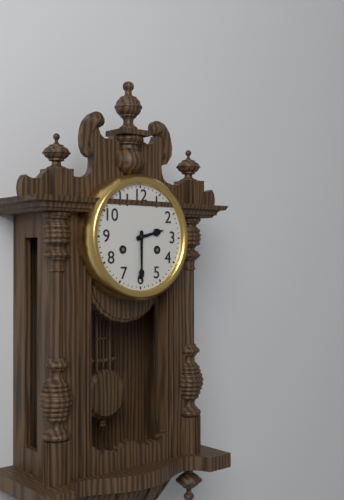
h=2 m=30
